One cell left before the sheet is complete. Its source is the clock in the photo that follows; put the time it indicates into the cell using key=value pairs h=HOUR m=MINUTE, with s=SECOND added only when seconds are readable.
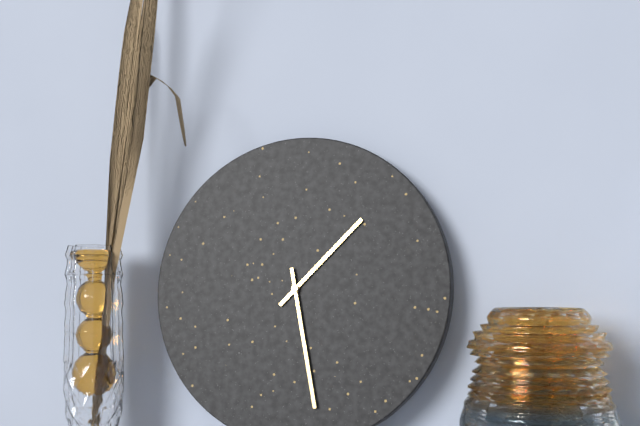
h=1 m=28
